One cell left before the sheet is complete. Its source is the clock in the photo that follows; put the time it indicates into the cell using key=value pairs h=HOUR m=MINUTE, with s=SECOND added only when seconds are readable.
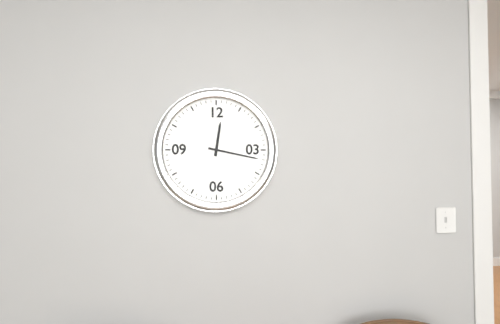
h=12 m=17
